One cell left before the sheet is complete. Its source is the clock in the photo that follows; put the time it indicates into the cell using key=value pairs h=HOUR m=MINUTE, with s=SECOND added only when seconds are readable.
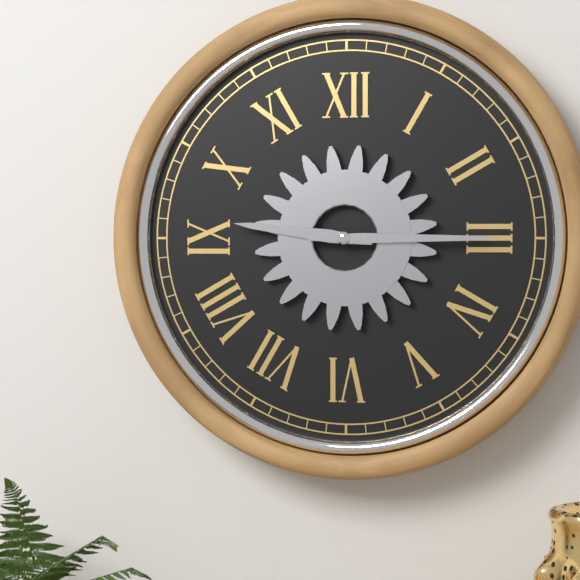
h=9 m=15
